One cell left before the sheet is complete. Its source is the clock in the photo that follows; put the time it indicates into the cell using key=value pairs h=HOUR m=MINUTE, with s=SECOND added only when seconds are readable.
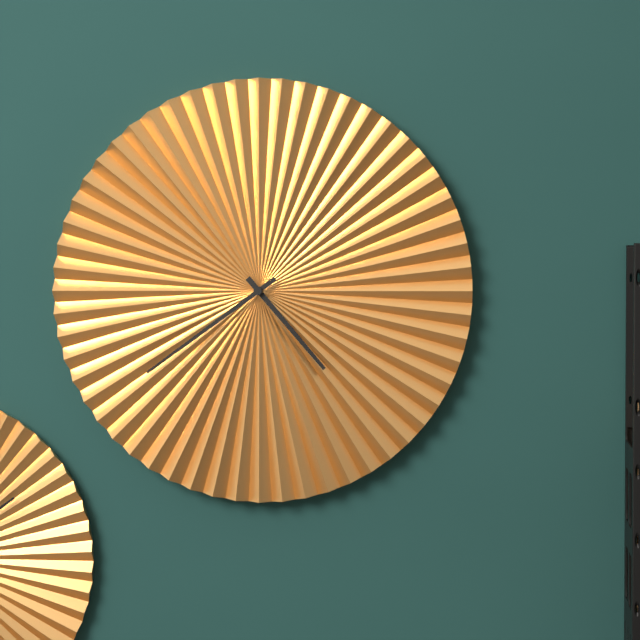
h=4 m=39
